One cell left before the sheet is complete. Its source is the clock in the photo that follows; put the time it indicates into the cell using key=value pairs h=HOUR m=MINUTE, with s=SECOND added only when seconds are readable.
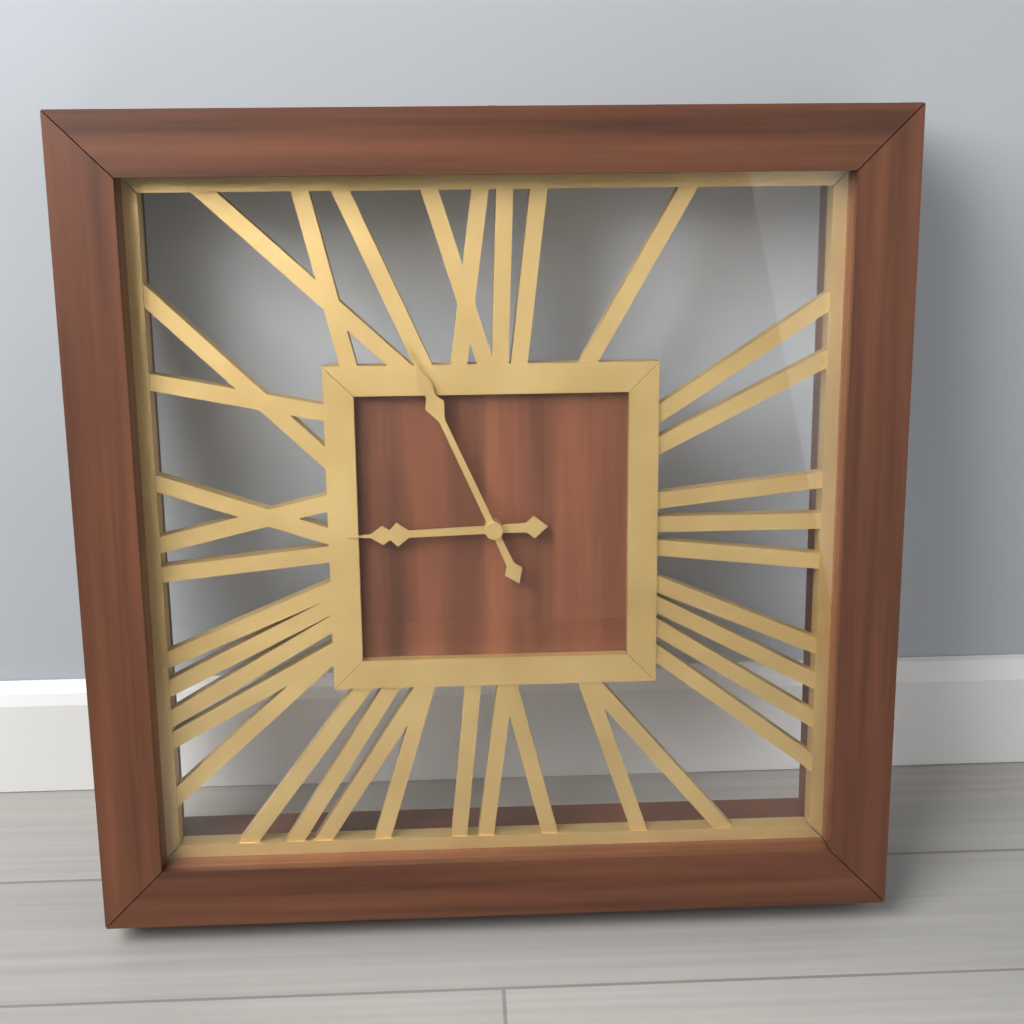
h=8 m=56
